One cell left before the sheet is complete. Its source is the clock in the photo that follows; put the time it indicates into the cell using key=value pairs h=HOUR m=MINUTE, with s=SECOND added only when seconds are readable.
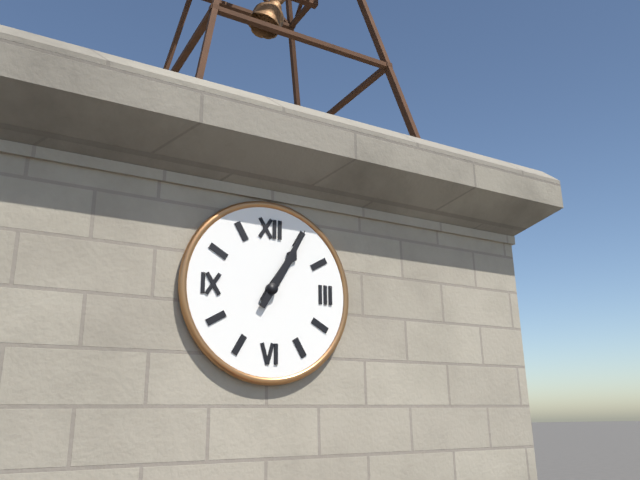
h=1 m=5
